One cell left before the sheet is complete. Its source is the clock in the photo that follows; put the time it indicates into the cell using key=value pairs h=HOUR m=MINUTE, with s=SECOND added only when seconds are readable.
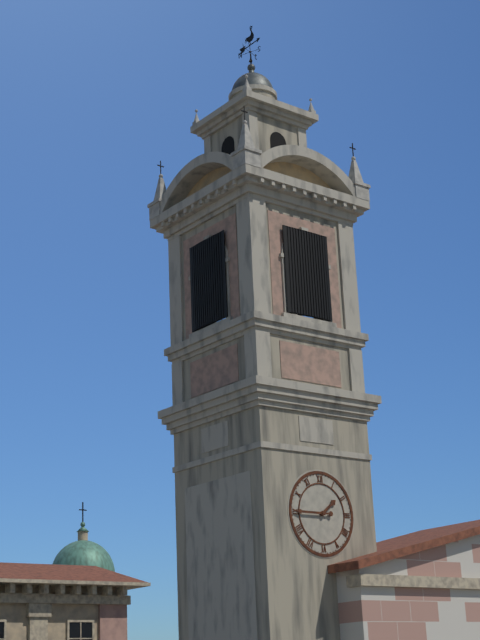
h=1 m=45
